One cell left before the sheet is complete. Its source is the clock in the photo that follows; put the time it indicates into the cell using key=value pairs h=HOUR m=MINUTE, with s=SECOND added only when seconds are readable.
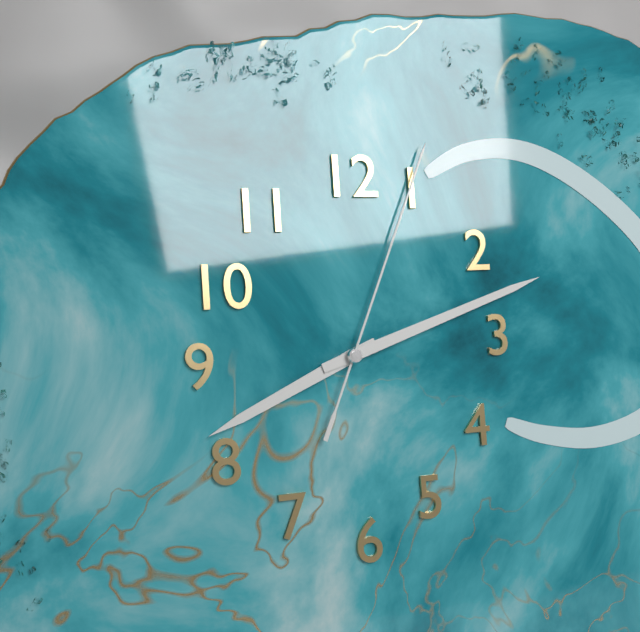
h=8 m=12 s=4
